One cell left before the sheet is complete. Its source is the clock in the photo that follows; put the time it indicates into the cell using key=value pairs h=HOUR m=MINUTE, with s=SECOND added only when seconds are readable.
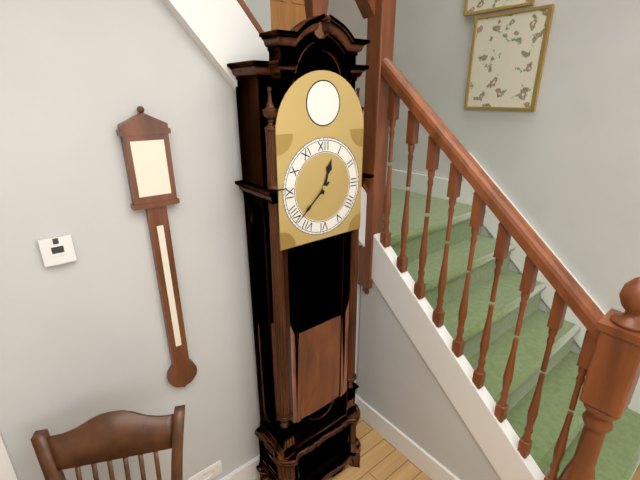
h=12 m=38
